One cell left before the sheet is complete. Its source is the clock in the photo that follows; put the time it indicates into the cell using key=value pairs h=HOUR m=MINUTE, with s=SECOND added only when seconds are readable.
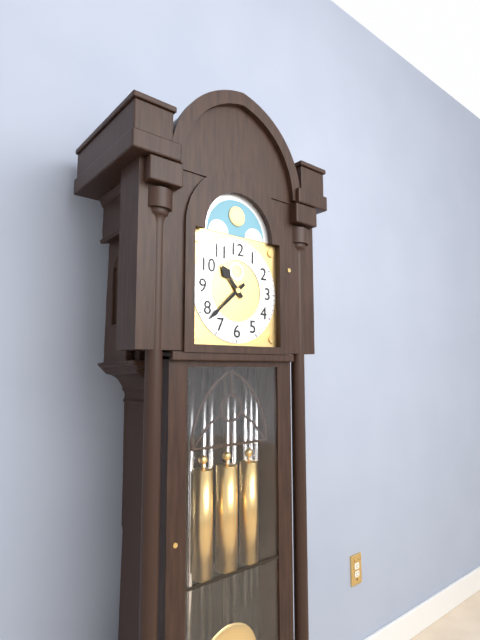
h=10 m=38
